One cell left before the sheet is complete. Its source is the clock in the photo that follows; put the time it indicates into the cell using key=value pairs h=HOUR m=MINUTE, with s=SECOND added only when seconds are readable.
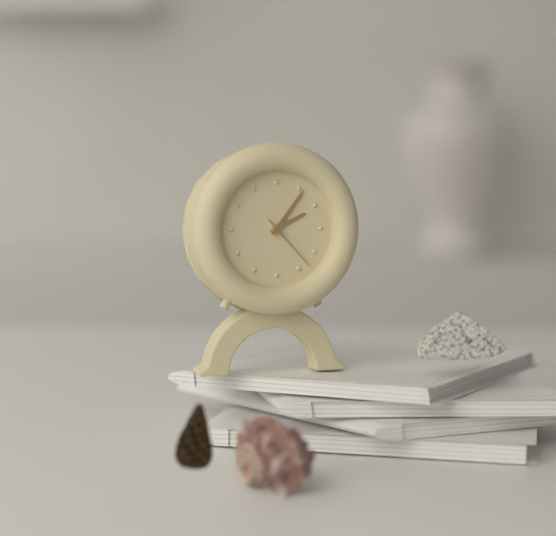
h=2 m=6 s=23
